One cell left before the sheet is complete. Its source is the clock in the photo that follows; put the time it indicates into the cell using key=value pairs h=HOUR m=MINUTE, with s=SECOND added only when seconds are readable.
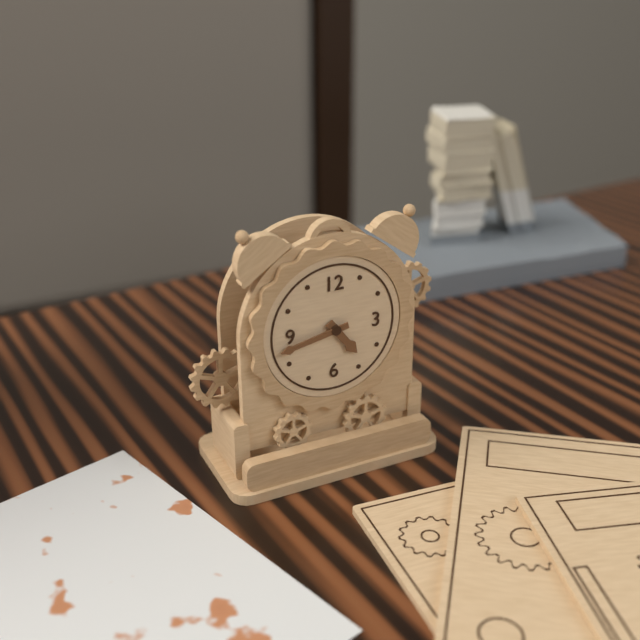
h=4 m=43
